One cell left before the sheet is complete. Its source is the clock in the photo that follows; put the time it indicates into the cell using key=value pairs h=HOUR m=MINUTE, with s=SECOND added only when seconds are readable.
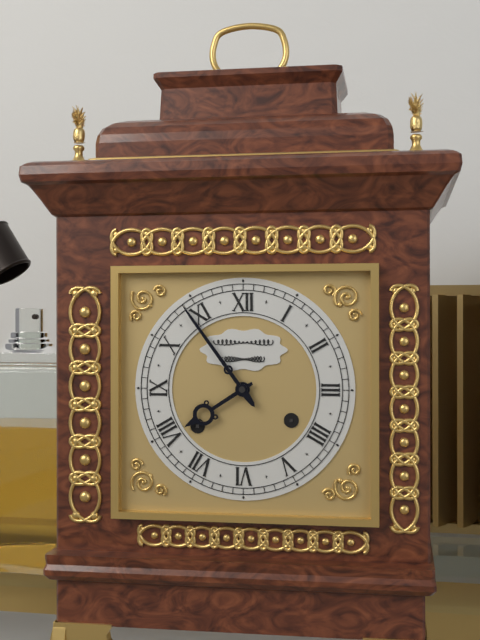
h=7 m=54
